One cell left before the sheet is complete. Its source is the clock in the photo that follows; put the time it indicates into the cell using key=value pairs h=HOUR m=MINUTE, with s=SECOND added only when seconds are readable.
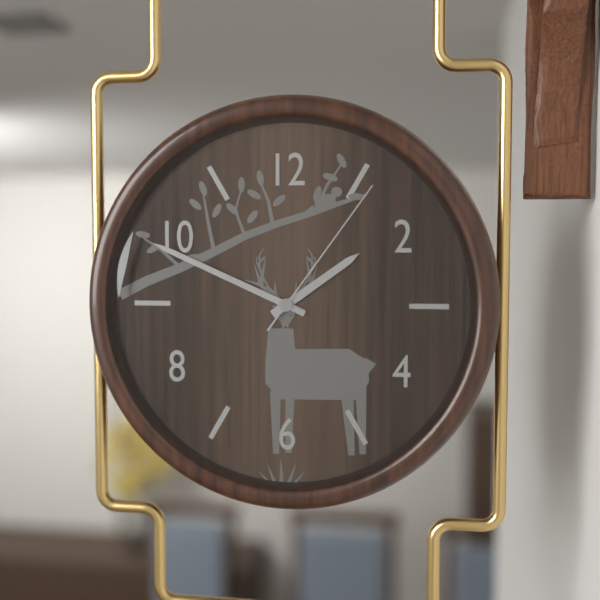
h=1 m=49 s=6
